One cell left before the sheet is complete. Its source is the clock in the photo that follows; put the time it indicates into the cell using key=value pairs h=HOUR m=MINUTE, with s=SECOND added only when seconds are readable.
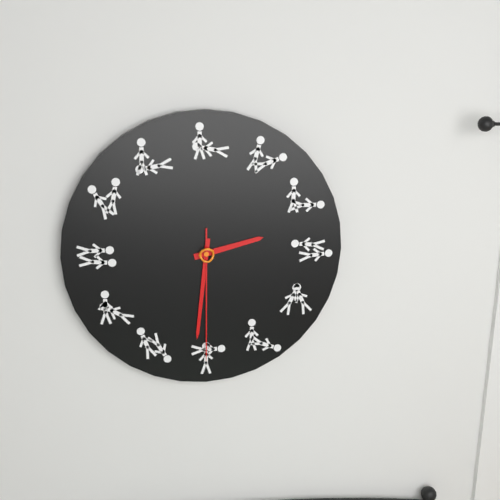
h=2 m=31 s=30
